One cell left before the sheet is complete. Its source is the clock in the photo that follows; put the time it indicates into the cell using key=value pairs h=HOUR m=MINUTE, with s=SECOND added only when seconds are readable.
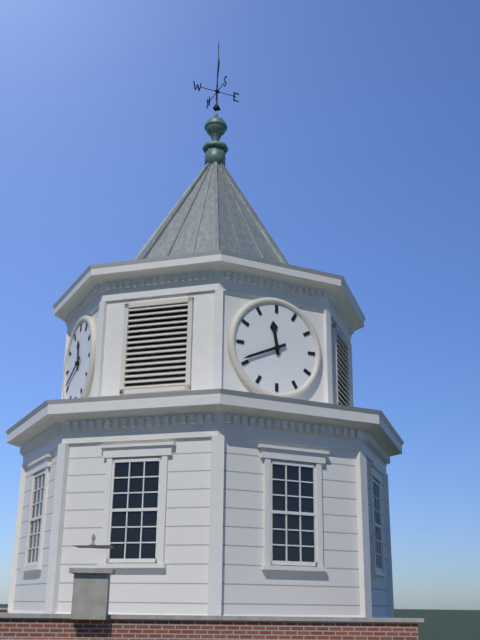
h=11 m=41
